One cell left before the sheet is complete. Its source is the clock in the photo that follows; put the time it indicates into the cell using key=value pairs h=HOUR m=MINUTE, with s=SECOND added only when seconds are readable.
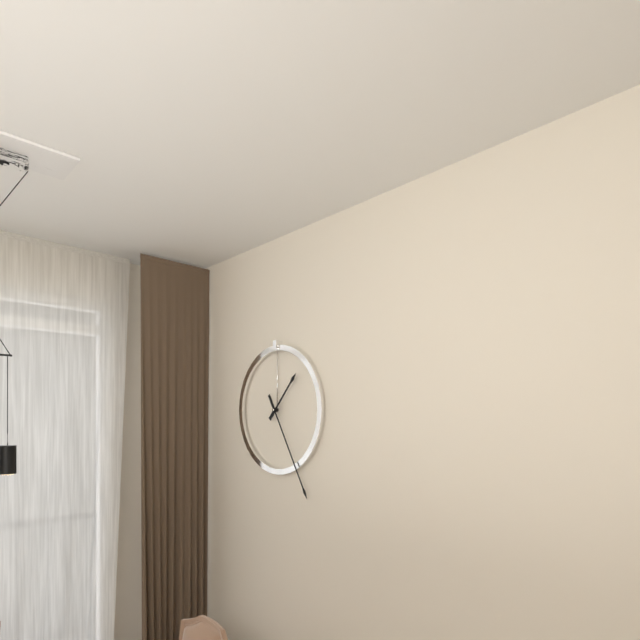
h=1 m=25
